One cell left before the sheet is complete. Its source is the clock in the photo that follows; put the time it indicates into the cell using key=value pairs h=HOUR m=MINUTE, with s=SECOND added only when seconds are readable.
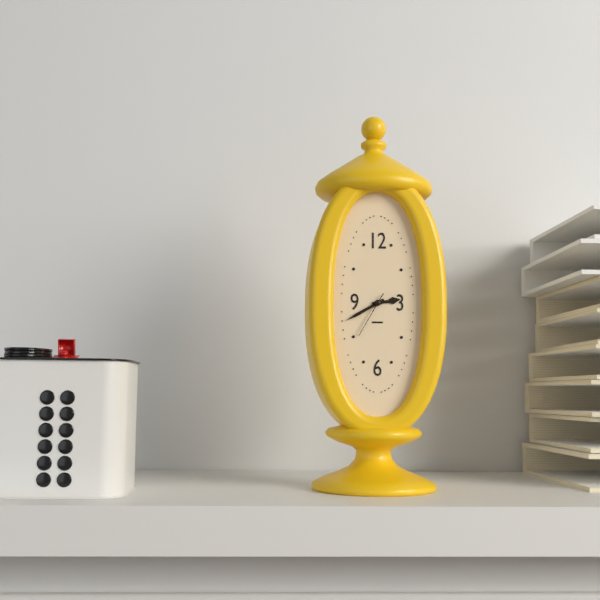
h=2 m=40
